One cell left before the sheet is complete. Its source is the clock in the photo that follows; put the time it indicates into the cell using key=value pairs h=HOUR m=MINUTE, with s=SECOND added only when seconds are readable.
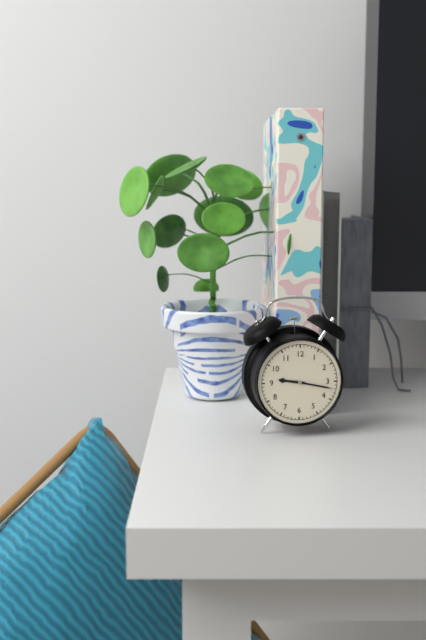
h=9 m=17
